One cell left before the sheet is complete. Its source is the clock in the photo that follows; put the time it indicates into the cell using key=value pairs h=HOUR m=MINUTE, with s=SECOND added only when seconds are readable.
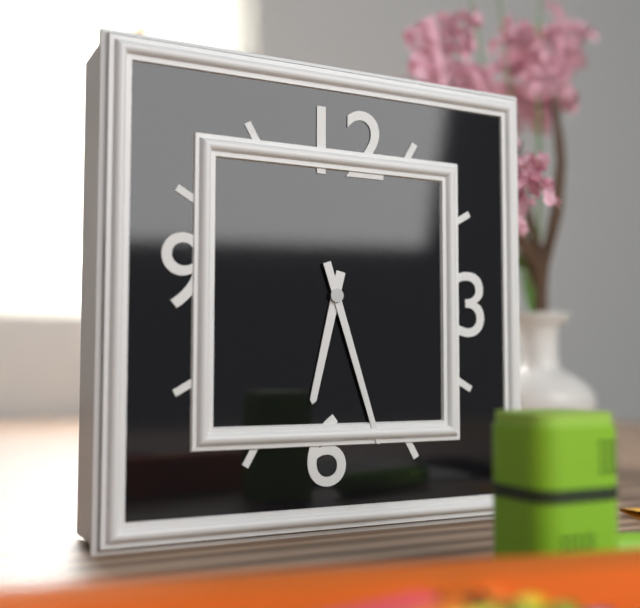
h=6 m=27
